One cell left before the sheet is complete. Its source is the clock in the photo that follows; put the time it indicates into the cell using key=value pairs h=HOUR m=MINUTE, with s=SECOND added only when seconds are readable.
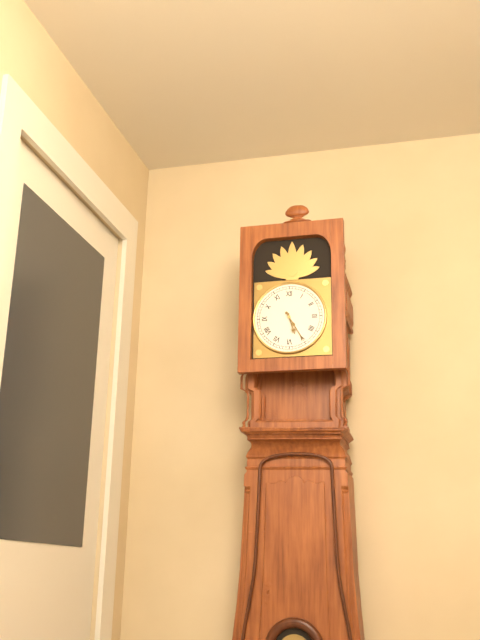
h=5 m=25
